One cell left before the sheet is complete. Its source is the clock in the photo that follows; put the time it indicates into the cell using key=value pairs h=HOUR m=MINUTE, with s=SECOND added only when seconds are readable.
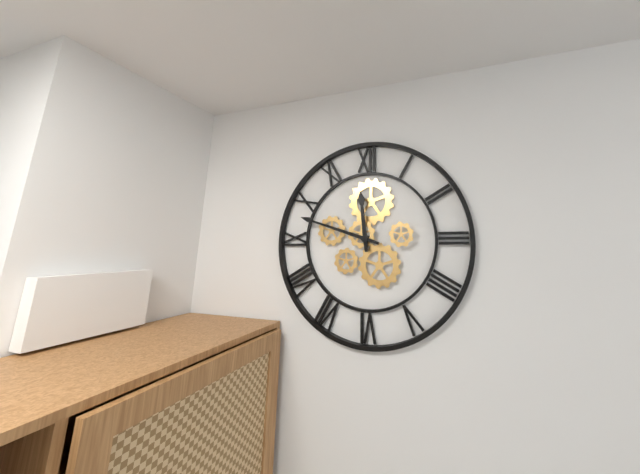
h=11 m=48
